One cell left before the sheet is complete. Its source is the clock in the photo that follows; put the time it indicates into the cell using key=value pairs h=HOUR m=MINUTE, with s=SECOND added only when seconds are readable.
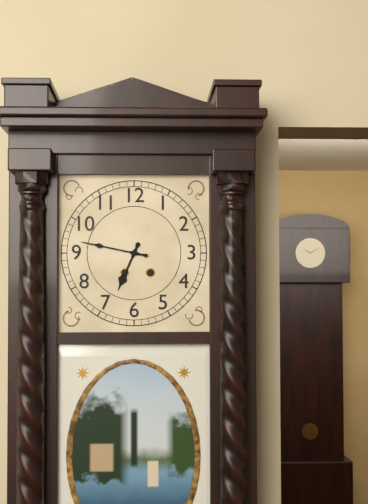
h=6 m=47
